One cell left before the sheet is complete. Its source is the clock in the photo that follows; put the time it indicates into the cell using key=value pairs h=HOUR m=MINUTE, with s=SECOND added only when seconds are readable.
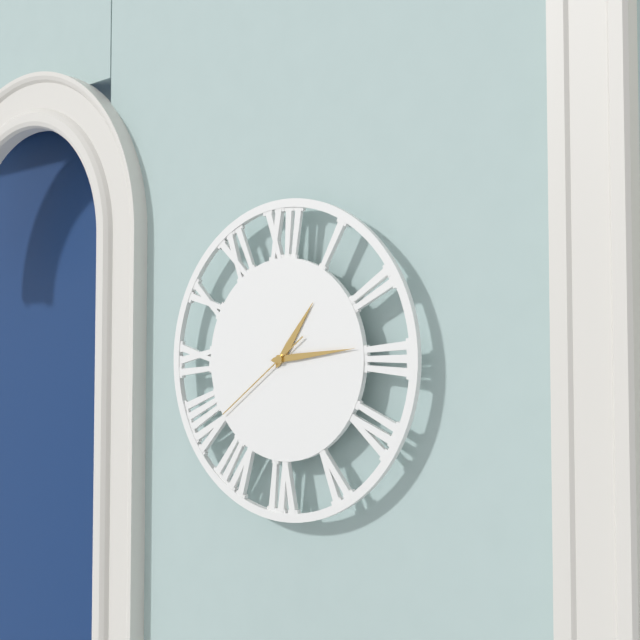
h=1 m=14 s=39
